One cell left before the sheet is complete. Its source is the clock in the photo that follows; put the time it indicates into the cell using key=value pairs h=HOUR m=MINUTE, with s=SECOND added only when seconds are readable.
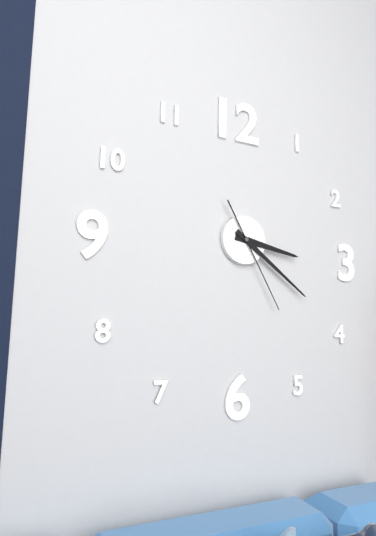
h=3 m=21 s=25
